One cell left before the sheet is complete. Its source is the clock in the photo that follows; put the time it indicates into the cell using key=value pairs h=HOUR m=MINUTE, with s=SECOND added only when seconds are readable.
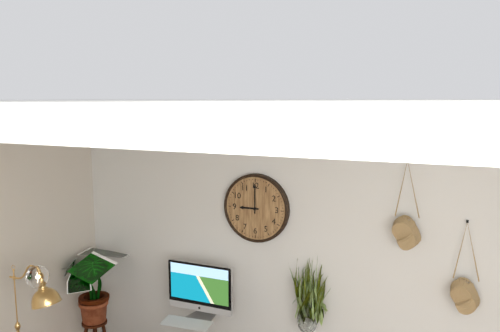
h=9 m=0
